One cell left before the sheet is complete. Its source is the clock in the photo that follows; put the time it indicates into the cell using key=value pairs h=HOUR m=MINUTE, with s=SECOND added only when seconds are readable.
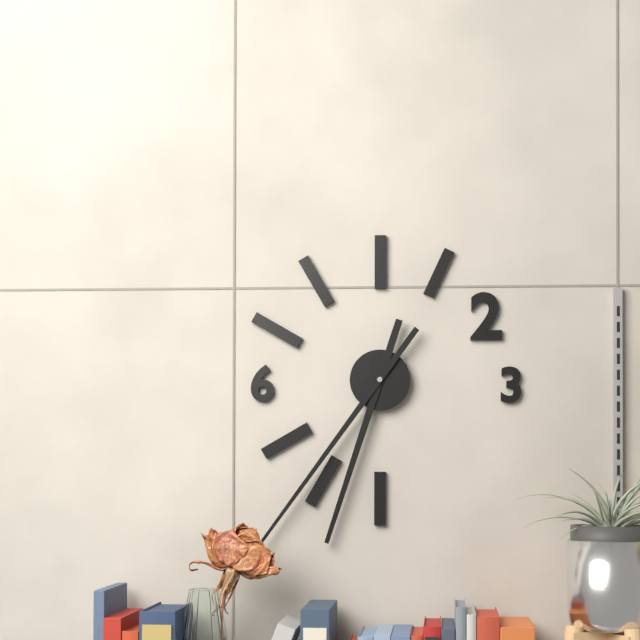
h=6 m=36
